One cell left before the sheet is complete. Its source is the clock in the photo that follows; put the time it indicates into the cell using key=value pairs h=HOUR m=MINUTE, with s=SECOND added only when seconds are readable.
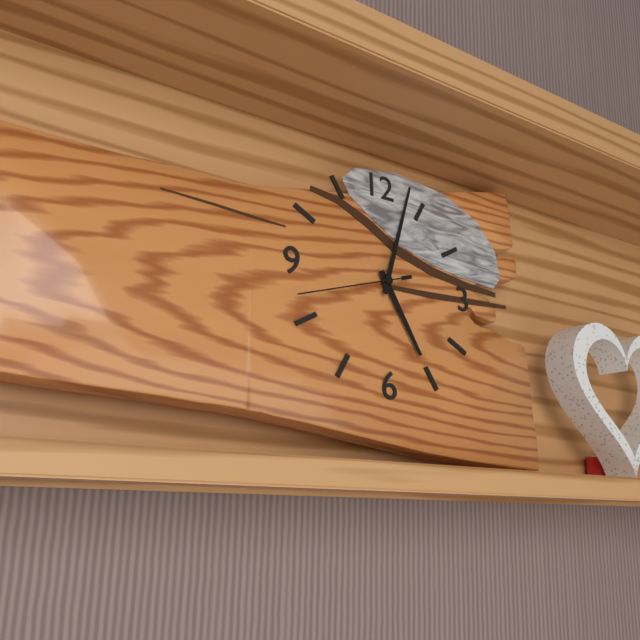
h=5 m=3 s=42
